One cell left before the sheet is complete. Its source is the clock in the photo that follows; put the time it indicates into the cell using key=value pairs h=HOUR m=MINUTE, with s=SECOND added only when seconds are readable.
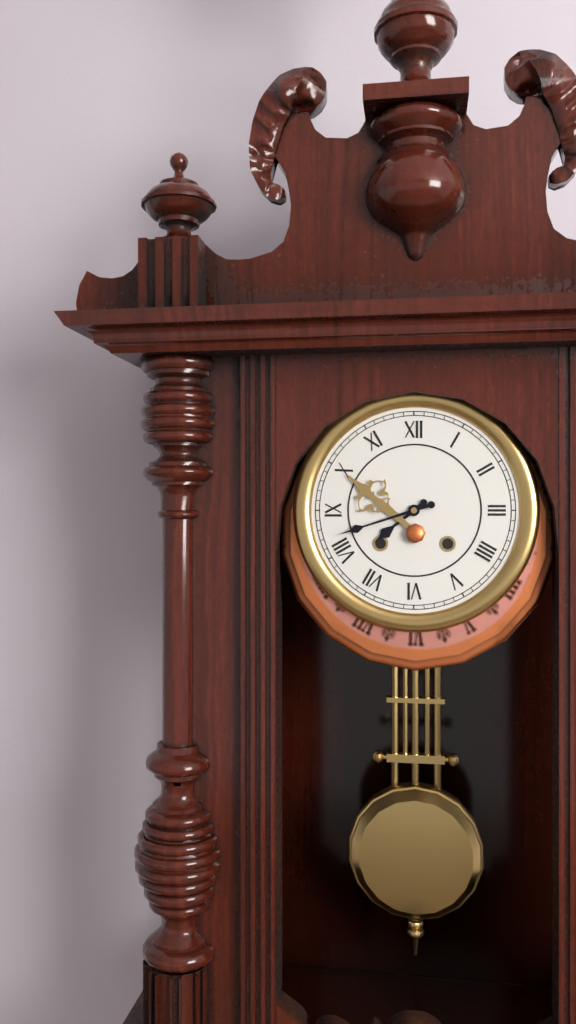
h=7 m=42
